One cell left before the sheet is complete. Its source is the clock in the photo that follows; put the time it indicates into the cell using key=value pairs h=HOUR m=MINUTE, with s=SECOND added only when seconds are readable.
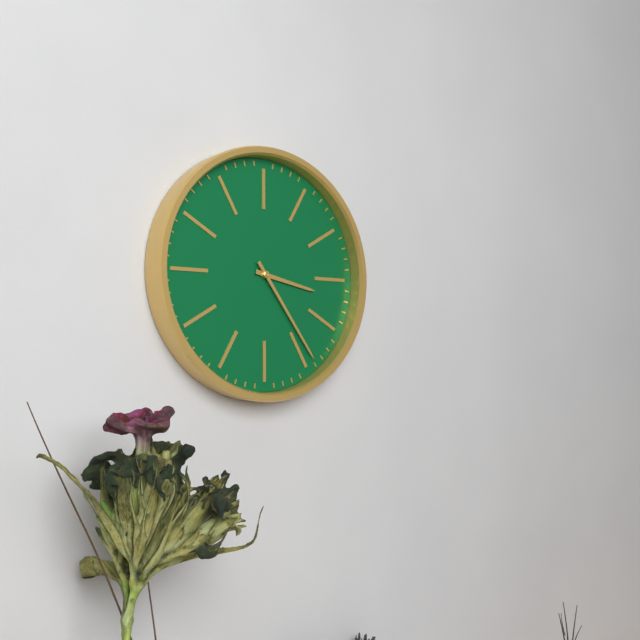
h=3 m=24
